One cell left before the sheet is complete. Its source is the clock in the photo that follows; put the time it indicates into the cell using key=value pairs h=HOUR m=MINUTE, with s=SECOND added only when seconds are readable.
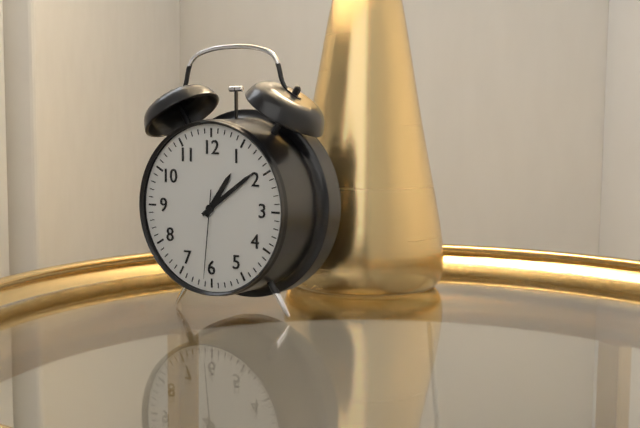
h=1 m=9 s=31
